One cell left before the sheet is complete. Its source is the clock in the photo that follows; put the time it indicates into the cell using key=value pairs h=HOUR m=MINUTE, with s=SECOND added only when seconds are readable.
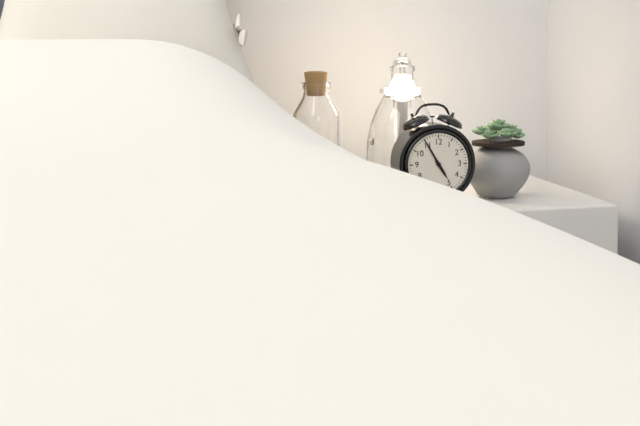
h=4 m=55
